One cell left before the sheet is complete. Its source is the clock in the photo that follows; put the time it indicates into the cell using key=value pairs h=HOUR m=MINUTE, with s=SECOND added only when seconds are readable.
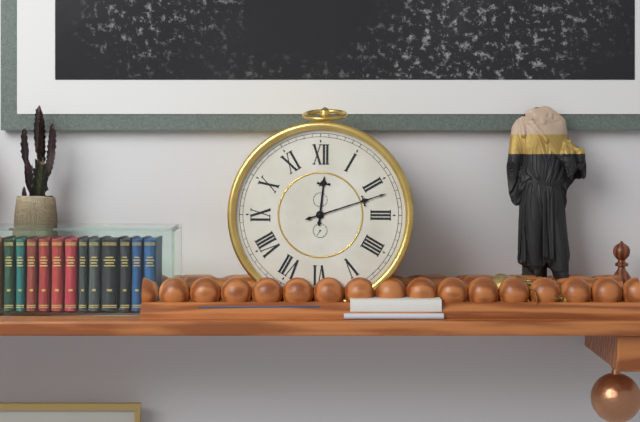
h=12 m=12
